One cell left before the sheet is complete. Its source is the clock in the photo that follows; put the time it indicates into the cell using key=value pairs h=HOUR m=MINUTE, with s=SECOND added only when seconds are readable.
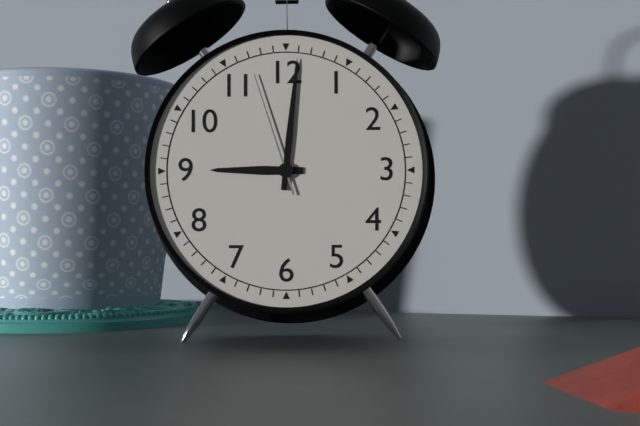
h=9 m=1 s=57
